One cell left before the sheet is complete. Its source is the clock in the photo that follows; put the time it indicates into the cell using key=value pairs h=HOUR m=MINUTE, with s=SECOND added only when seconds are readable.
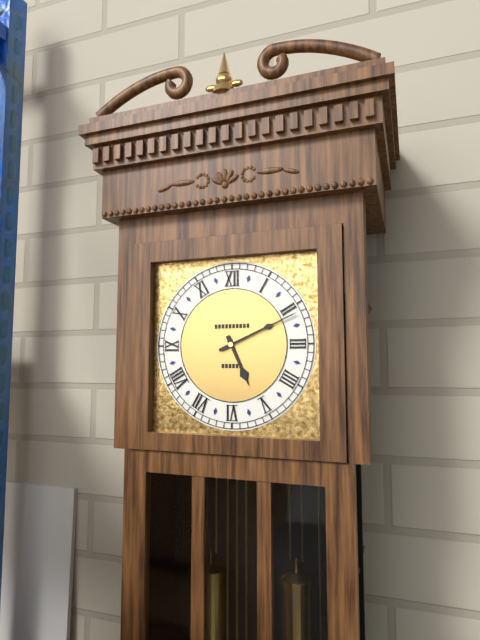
h=5 m=11
